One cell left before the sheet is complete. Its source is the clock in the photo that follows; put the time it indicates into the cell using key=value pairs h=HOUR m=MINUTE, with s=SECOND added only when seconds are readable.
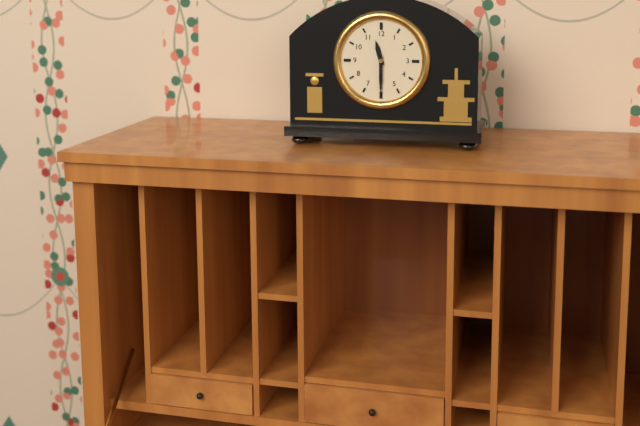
h=11 m=30
